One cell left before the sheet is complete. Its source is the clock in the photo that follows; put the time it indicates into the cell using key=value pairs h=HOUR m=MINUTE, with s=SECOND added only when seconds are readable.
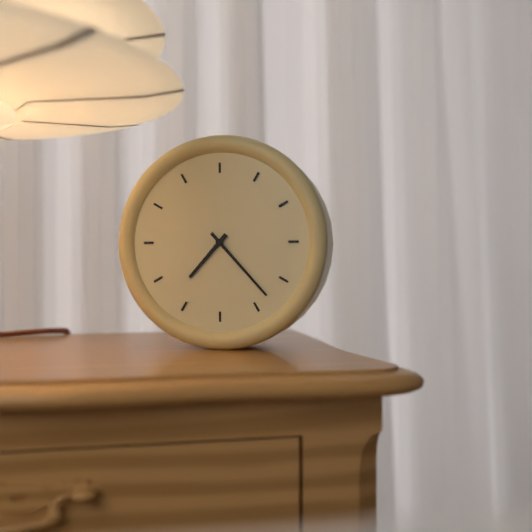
h=7 m=23
